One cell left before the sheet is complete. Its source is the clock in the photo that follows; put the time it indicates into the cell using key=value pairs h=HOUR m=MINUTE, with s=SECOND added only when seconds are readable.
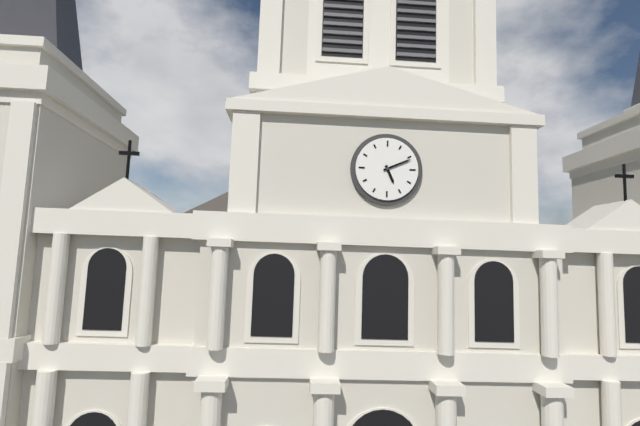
h=5 m=11
